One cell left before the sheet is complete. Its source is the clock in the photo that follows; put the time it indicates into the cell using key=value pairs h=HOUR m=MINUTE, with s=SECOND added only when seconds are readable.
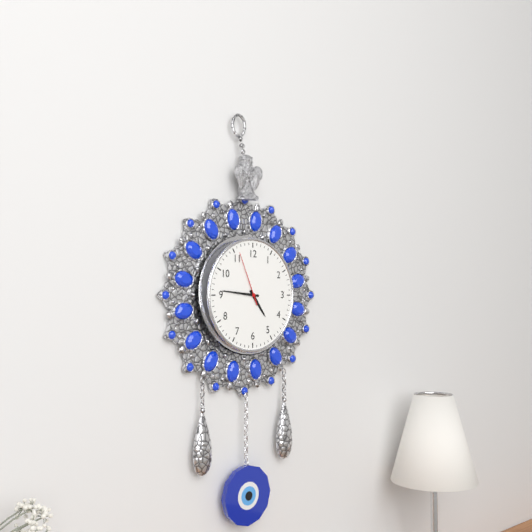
h=4 m=46 s=56
